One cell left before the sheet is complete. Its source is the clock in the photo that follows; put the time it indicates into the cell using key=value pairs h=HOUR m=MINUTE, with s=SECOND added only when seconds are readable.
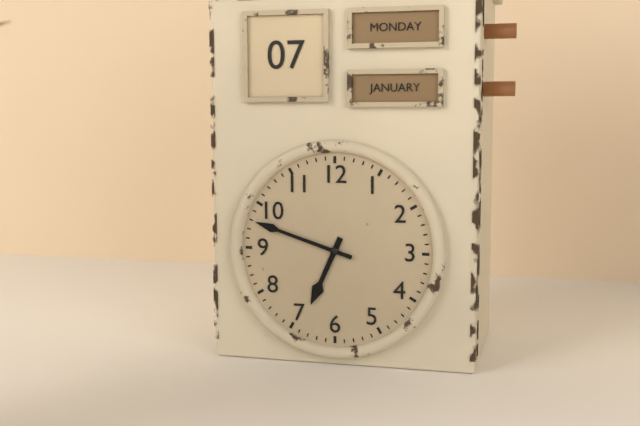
h=6 m=48
